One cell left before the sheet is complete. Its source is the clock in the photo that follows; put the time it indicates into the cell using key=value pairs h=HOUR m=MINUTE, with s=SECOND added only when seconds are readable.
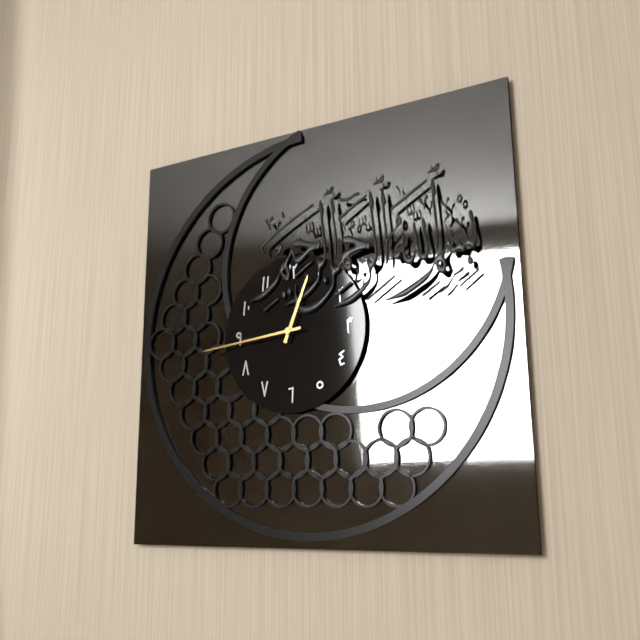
h=12 m=44
